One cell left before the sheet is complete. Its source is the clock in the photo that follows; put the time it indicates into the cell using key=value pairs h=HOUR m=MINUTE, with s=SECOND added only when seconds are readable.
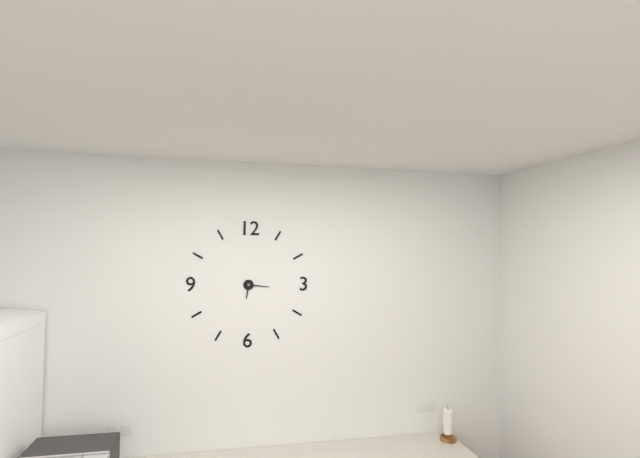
h=6 m=16
